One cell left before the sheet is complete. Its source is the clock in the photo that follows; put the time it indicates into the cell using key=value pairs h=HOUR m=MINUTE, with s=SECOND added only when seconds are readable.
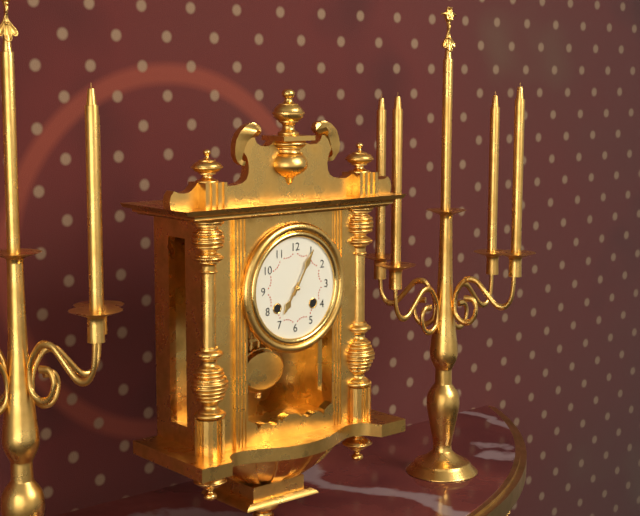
h=7 m=5
